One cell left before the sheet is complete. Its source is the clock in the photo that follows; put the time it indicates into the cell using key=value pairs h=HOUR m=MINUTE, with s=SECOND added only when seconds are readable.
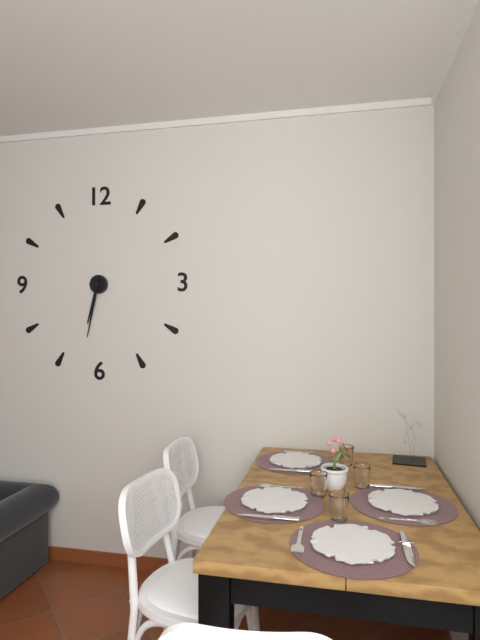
h=6 m=32
